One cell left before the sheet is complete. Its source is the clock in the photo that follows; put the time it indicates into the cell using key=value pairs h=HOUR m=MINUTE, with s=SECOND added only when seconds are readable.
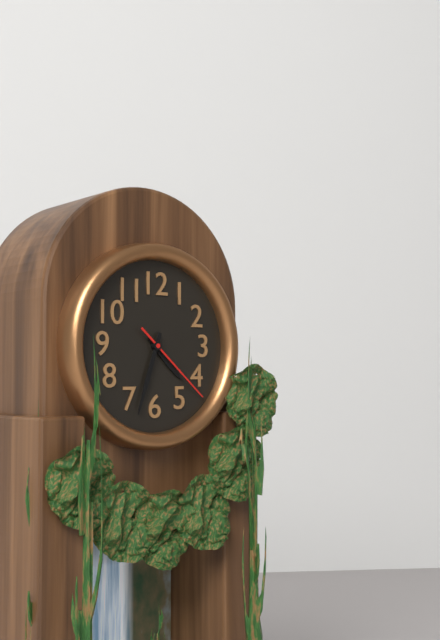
h=4 m=33 s=22
